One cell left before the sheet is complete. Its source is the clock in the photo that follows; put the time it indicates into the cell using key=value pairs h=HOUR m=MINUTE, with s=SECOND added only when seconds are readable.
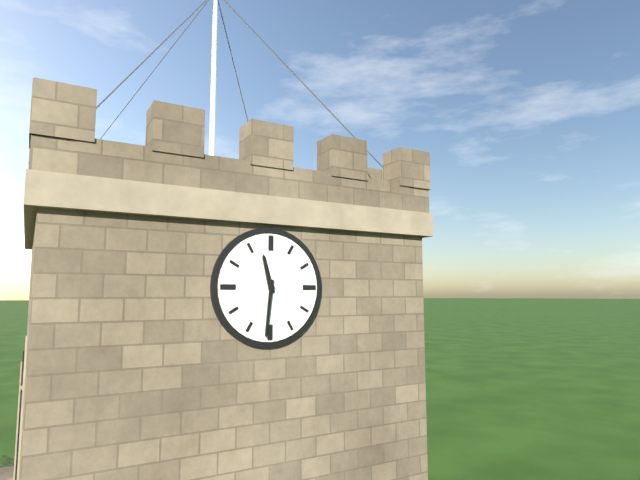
h=11 m=31
